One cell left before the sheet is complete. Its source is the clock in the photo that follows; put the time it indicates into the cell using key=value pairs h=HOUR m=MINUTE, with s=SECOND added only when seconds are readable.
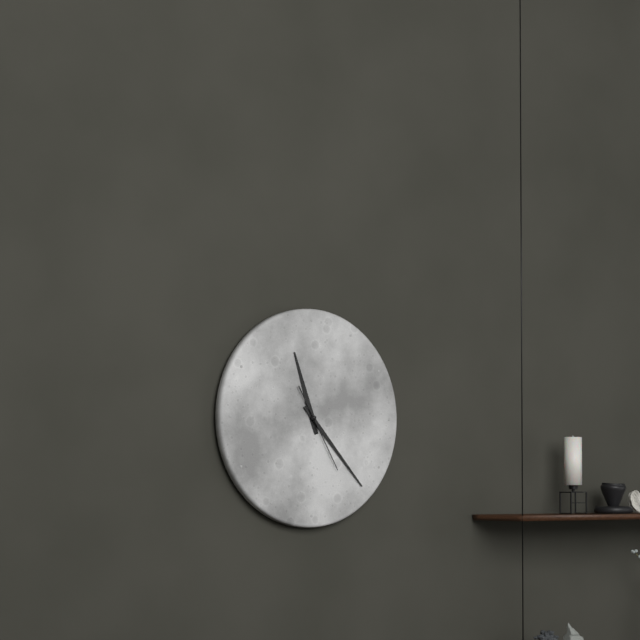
h=11 m=23 s=25
